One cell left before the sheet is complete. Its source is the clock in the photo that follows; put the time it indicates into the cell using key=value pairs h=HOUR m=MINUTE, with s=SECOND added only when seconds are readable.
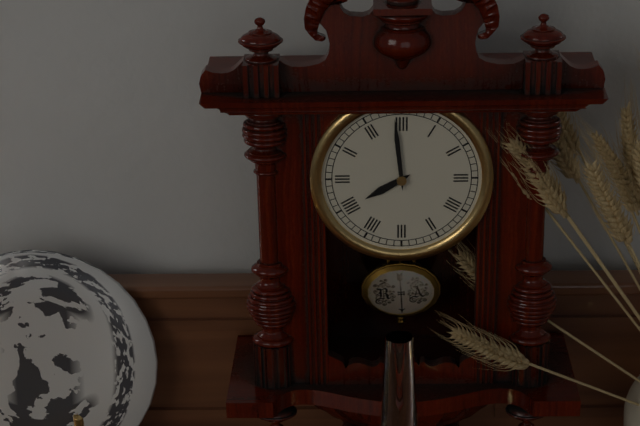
h=7 m=59
